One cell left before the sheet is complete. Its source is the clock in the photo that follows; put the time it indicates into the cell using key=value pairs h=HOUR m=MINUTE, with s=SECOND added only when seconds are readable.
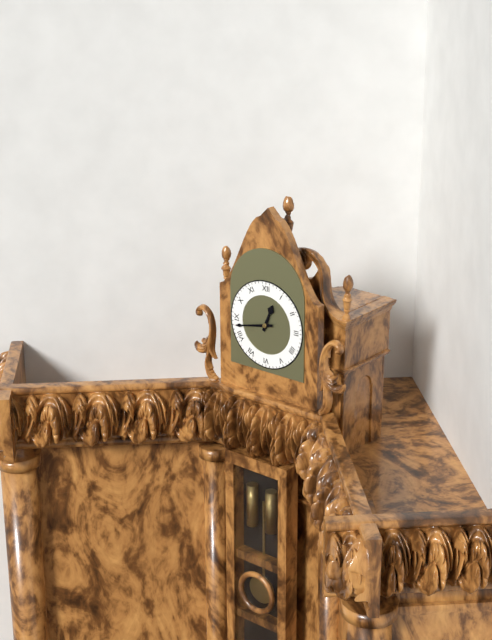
h=12 m=43
